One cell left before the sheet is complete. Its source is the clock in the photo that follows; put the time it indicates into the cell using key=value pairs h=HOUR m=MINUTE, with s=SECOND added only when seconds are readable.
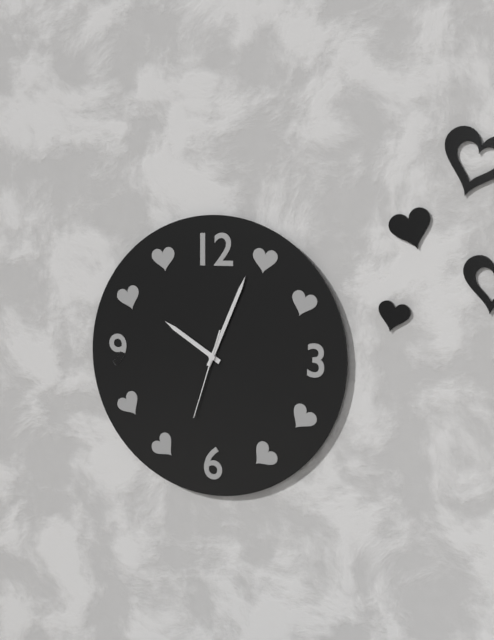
h=10 m=4 s=33
